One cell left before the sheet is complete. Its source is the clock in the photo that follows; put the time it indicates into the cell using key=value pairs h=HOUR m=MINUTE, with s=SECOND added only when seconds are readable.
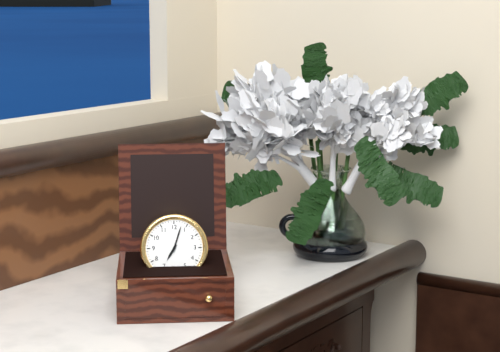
h=7 m=3
